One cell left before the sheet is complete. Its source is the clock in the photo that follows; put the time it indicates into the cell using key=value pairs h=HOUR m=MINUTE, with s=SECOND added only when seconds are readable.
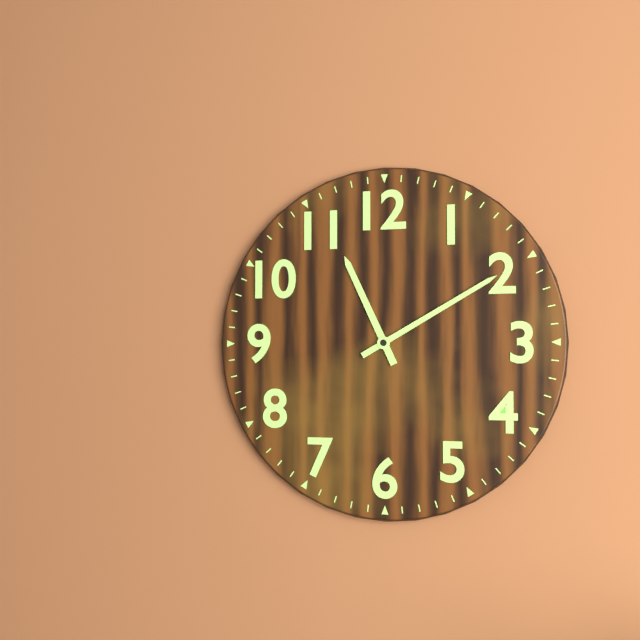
h=11 m=10
